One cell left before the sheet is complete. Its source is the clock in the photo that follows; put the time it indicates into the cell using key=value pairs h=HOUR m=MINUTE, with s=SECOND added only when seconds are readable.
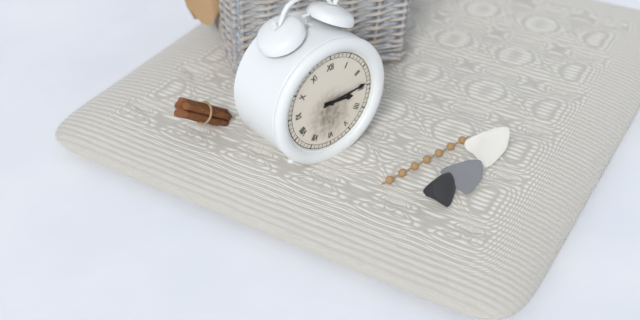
h=3 m=14
